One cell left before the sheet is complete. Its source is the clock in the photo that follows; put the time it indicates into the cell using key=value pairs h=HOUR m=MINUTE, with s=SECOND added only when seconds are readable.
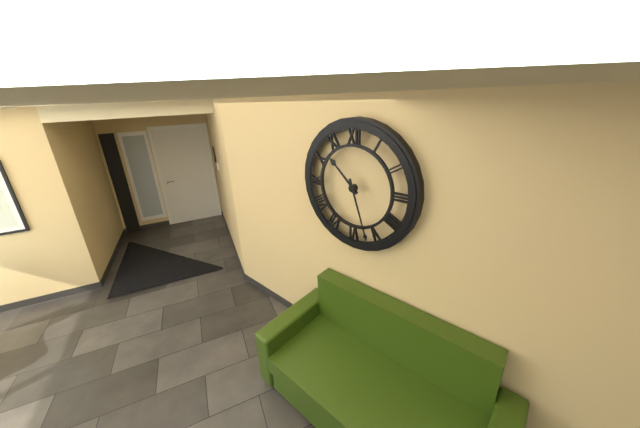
h=10 m=27
